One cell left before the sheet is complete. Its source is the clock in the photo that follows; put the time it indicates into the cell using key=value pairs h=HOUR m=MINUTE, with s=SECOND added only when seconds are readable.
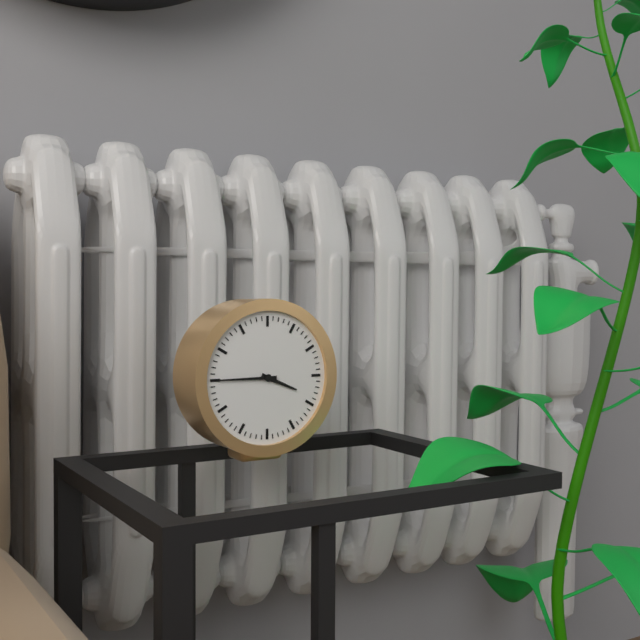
h=3 m=45
